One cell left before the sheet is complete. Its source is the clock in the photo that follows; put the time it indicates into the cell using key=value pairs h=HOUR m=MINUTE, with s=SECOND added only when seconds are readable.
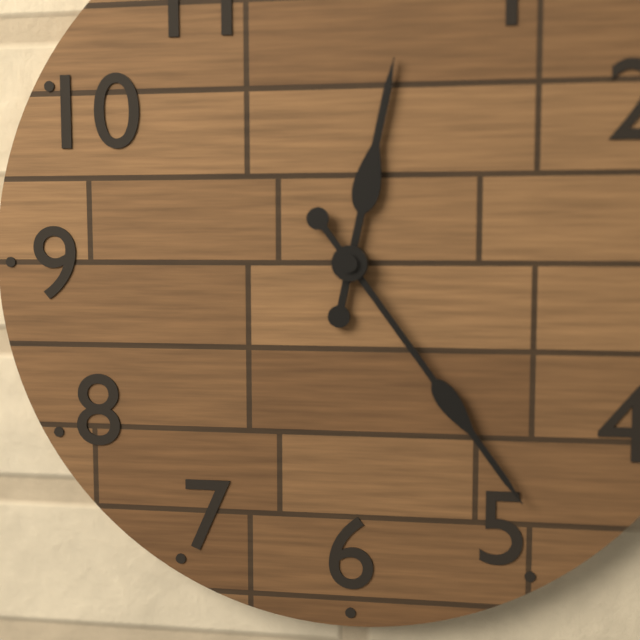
h=12 m=24
